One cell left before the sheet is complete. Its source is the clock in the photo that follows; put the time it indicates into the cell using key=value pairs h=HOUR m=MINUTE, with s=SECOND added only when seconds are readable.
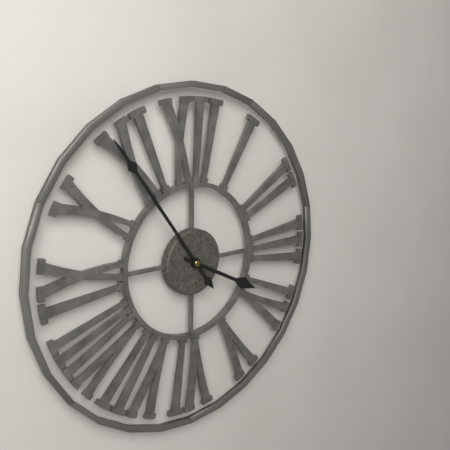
h=3 m=54
